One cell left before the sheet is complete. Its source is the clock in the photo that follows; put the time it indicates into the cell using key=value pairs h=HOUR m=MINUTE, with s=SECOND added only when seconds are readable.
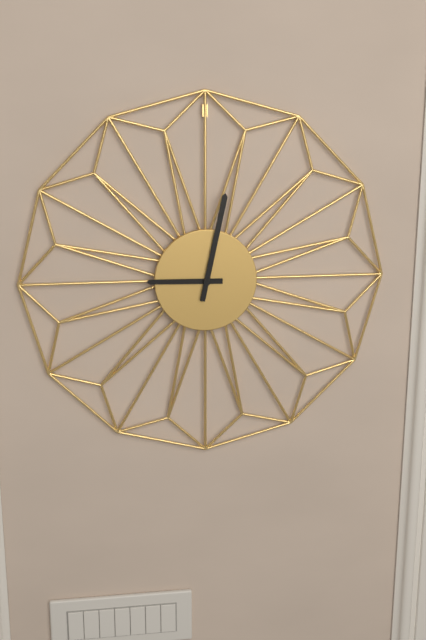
h=9 m=2
